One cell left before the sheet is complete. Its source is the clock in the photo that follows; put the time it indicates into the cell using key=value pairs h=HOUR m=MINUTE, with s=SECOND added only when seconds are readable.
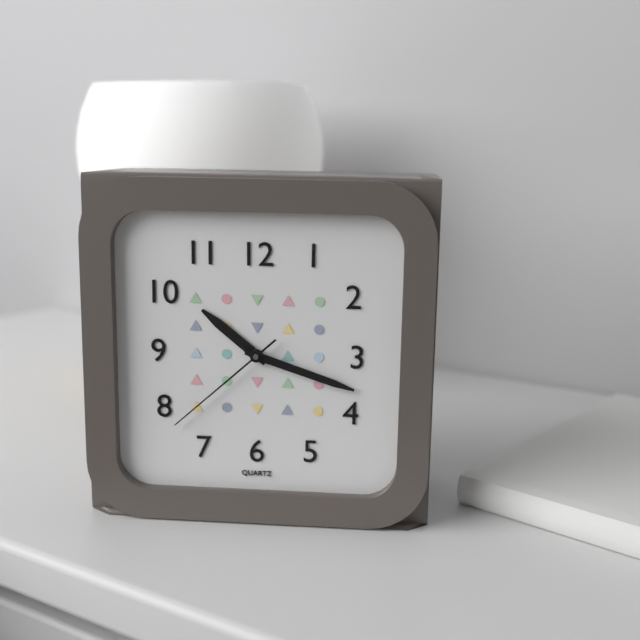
h=10 m=18 s=38
